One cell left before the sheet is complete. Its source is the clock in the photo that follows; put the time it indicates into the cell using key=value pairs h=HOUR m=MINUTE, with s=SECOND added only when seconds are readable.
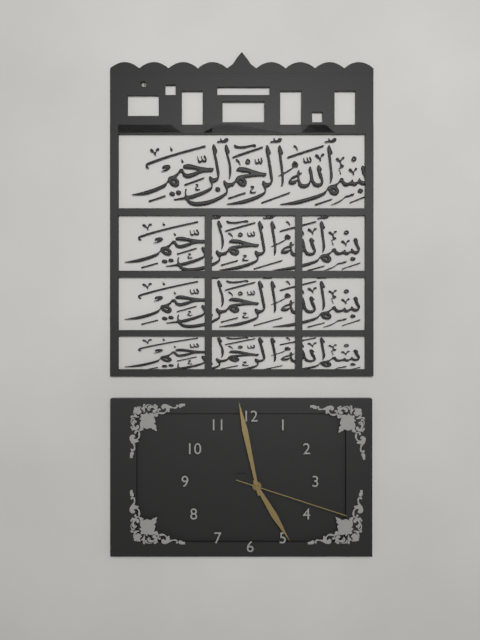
h=4 m=58 s=18
